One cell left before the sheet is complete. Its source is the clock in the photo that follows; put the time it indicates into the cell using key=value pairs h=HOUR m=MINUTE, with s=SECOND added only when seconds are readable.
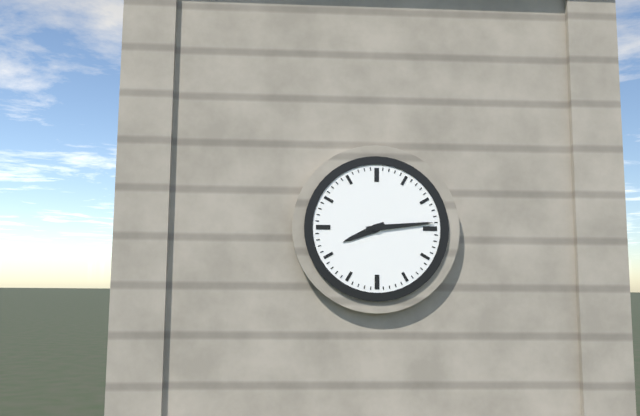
h=8 m=14
